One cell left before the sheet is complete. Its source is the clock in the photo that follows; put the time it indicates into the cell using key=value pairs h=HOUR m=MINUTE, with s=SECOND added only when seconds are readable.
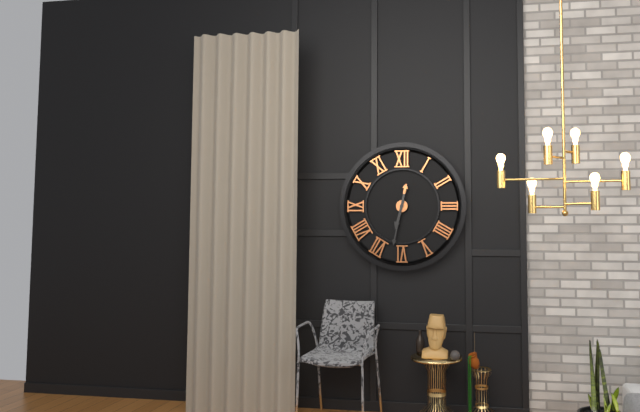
h=6 m=32
